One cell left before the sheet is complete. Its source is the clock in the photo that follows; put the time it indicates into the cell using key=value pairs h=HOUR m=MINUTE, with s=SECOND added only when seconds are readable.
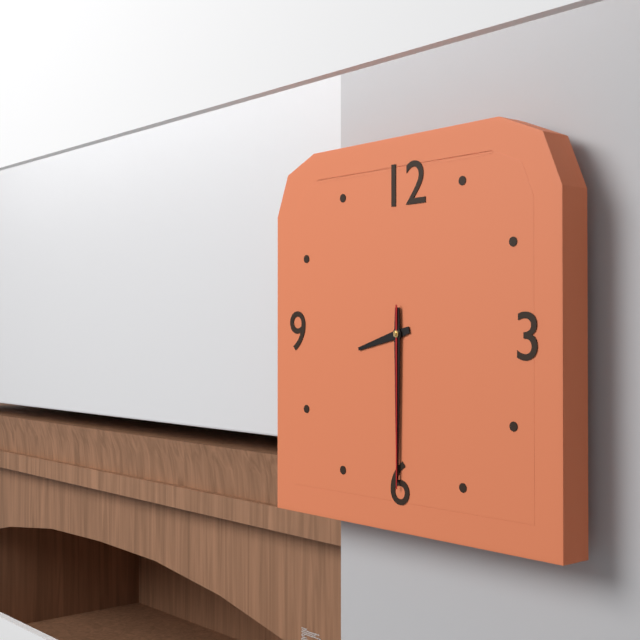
h=8 m=30 s=30
